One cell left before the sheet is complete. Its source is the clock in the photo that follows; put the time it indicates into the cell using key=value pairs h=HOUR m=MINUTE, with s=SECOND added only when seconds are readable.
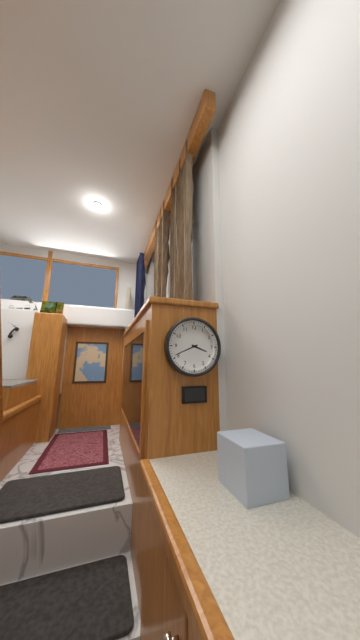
h=3 m=41
